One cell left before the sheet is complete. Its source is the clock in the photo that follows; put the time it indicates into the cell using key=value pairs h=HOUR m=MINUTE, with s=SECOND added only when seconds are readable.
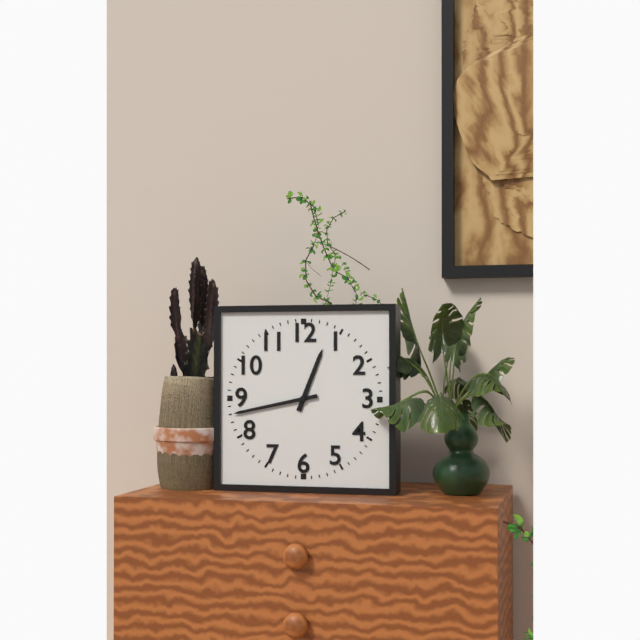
h=12 m=43
